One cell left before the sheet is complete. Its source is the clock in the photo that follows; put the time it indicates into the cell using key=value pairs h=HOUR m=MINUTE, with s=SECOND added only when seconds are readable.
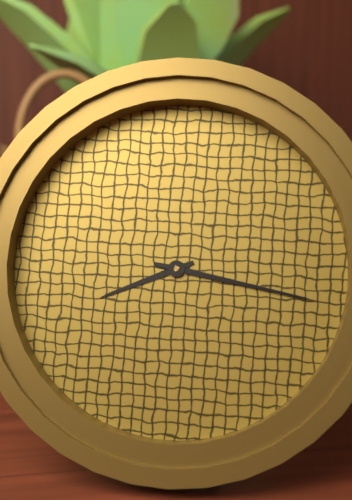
h=8 m=17
